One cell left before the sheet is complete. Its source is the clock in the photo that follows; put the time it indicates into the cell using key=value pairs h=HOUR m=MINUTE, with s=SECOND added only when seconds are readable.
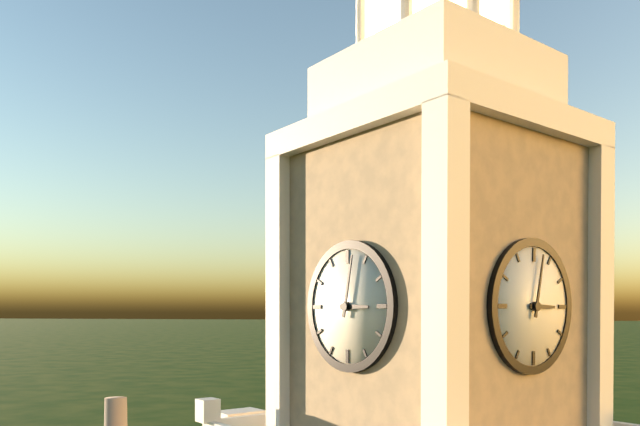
h=3 m=2
